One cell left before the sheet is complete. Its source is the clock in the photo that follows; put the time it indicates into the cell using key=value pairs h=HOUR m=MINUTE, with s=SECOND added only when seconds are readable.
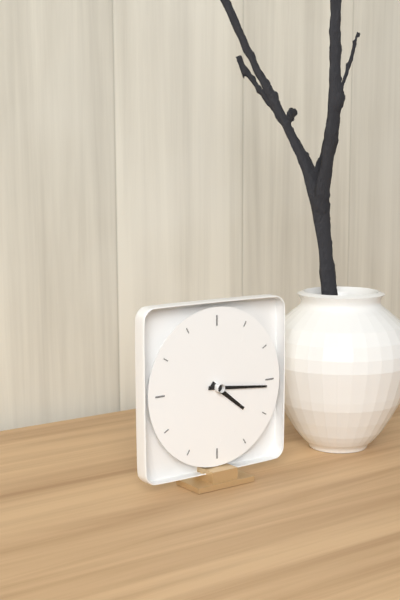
h=4 m=16
